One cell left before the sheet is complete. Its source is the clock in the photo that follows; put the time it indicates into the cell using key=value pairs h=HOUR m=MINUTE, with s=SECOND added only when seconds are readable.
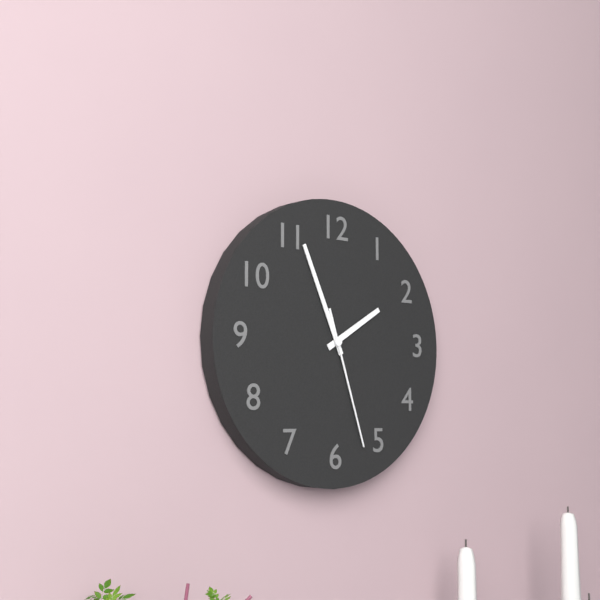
h=1 m=56 s=27
